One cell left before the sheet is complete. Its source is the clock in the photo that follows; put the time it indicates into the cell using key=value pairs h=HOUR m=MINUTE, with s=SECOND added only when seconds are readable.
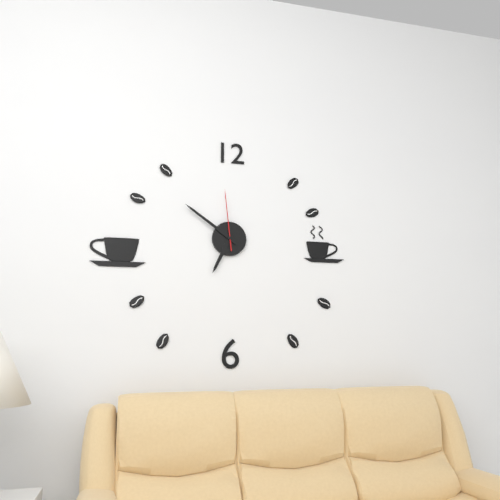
h=6 m=51 s=59
